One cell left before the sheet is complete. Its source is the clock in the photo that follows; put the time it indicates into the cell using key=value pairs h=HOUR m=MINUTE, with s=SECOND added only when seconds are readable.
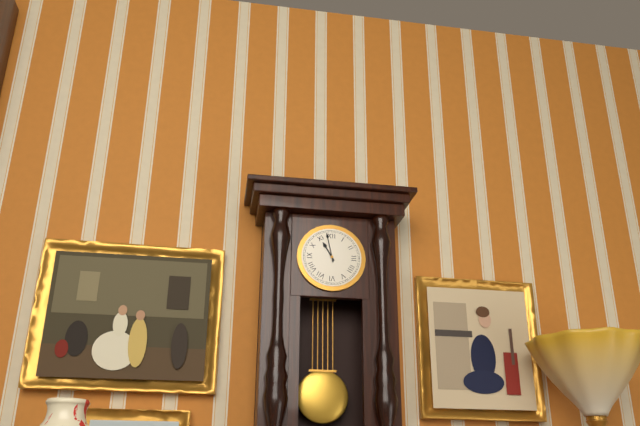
h=10 m=58
